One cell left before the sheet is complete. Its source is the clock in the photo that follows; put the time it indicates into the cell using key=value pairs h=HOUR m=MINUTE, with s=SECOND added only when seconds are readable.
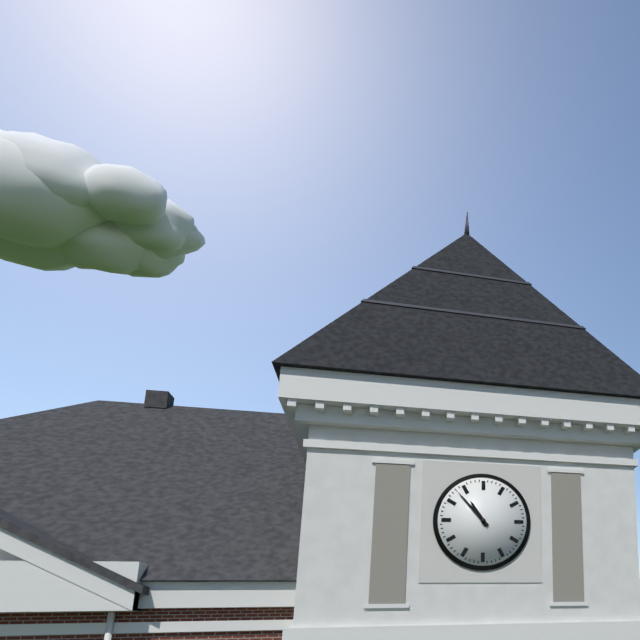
h=10 m=53
